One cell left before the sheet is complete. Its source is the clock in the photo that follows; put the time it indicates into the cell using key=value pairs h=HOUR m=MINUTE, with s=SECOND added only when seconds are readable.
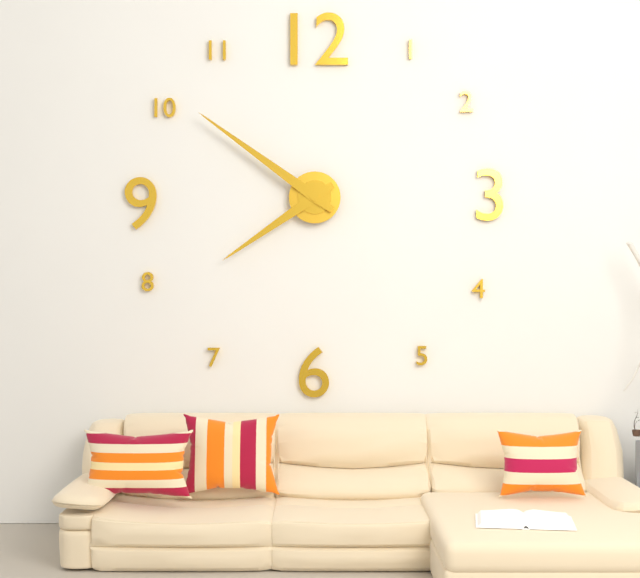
h=7 m=51
